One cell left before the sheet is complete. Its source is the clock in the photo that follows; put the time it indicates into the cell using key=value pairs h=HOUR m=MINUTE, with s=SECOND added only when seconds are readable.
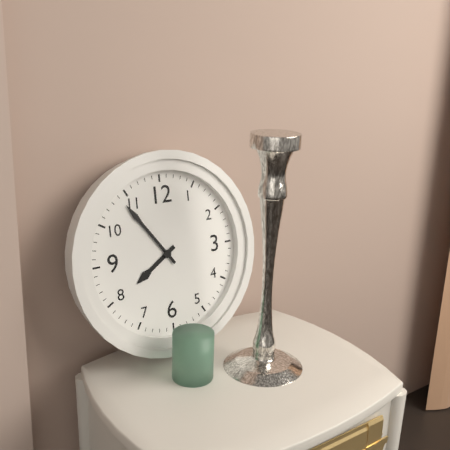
h=7 m=54
